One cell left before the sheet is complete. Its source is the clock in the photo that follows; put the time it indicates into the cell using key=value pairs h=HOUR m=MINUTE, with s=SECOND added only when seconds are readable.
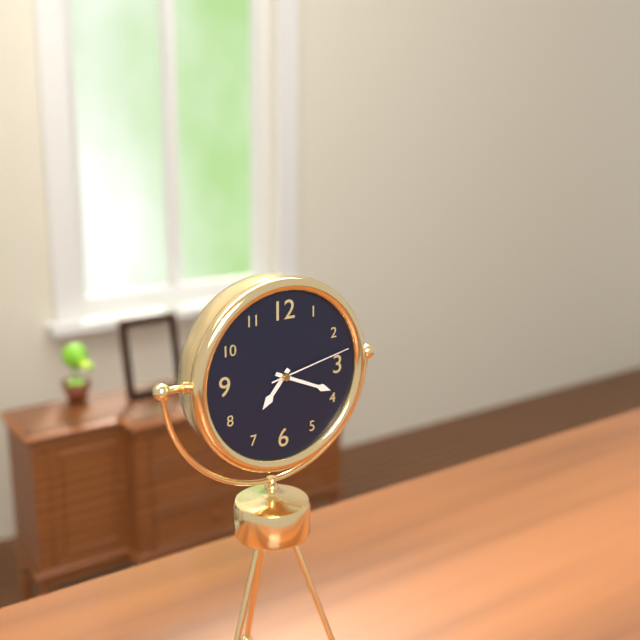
h=7 m=19 s=13
